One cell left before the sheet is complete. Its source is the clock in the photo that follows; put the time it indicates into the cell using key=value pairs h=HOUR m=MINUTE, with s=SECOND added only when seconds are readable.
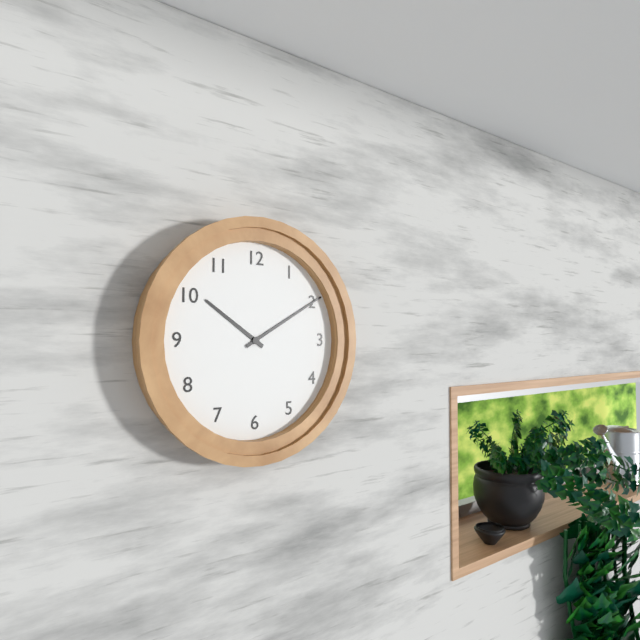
h=10 m=10
